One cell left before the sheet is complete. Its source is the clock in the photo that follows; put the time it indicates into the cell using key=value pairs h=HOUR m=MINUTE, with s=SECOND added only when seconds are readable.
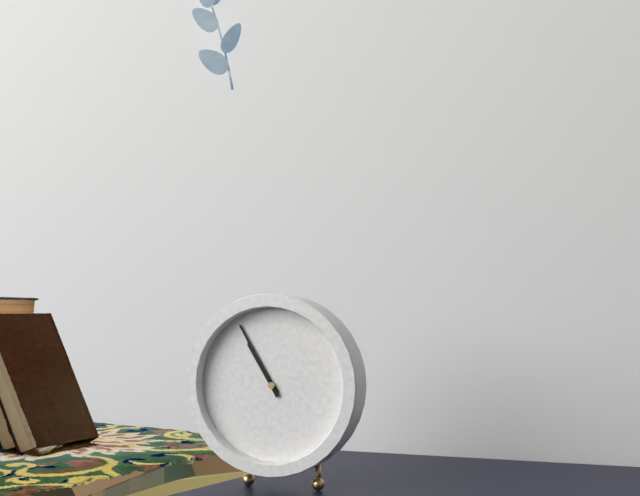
h=10 m=55
